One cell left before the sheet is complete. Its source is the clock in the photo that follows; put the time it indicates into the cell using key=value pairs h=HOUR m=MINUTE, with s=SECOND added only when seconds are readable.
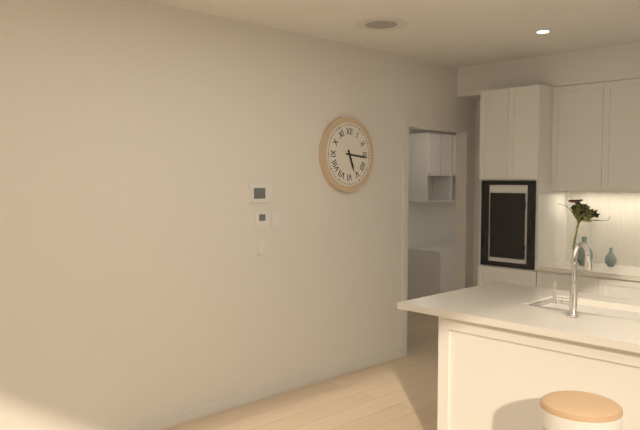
h=5 m=16
